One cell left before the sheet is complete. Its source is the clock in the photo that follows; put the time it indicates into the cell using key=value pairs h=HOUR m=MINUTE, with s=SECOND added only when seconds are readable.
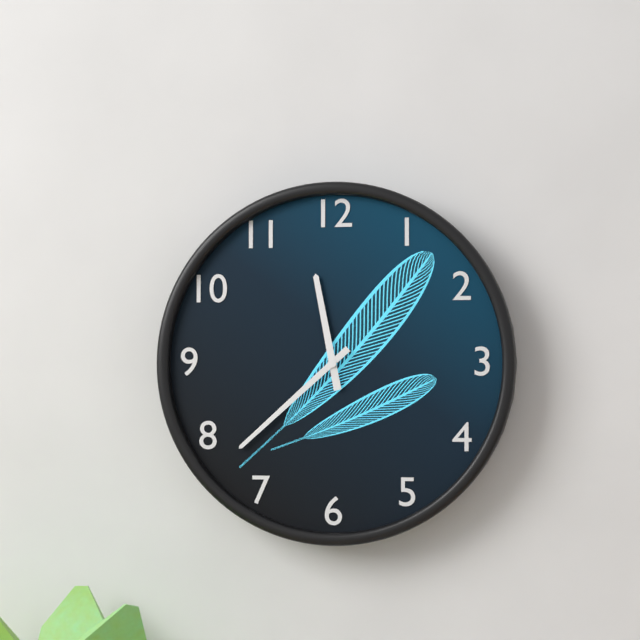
h=11 m=38
